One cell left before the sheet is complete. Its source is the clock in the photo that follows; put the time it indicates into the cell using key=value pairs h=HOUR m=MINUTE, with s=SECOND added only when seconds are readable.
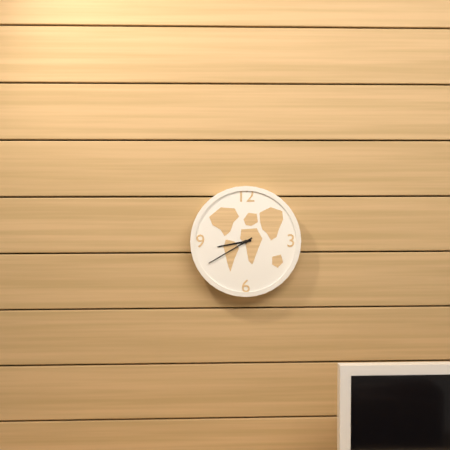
h=8 m=40
